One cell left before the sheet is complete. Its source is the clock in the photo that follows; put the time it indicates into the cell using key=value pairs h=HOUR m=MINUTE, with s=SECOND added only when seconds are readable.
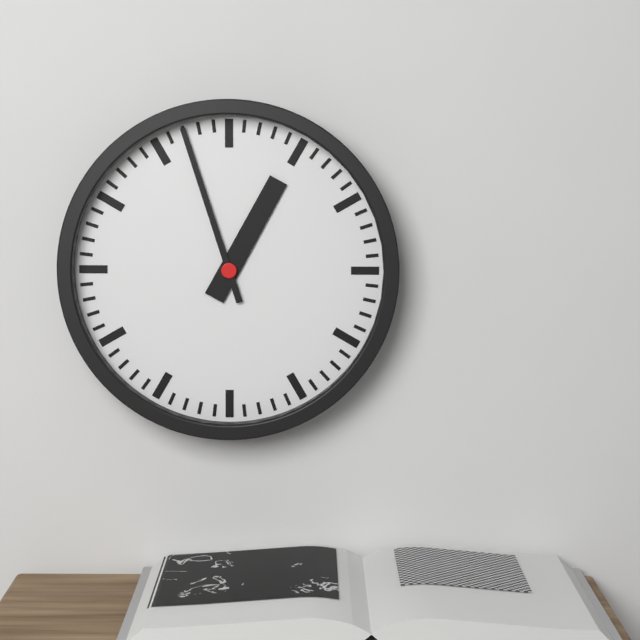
h=12 m=57
